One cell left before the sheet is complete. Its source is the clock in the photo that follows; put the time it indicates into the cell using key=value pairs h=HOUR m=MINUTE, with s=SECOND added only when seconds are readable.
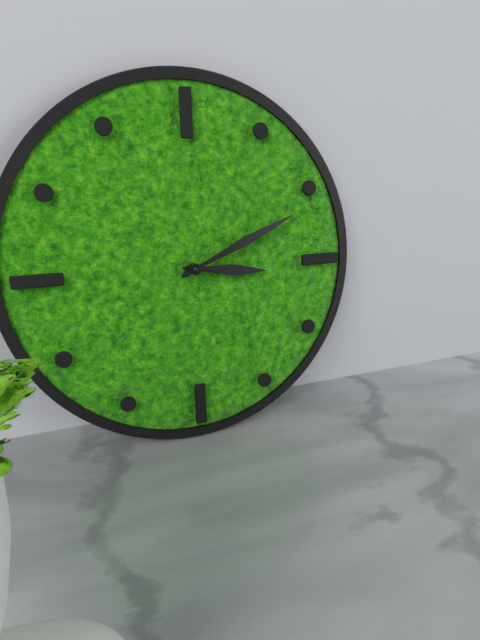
h=3 m=11
